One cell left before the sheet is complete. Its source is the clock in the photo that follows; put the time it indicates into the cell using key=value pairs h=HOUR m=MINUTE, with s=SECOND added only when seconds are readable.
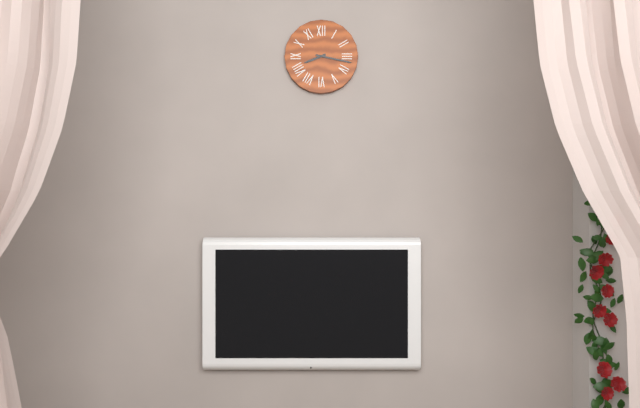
h=8 m=17
